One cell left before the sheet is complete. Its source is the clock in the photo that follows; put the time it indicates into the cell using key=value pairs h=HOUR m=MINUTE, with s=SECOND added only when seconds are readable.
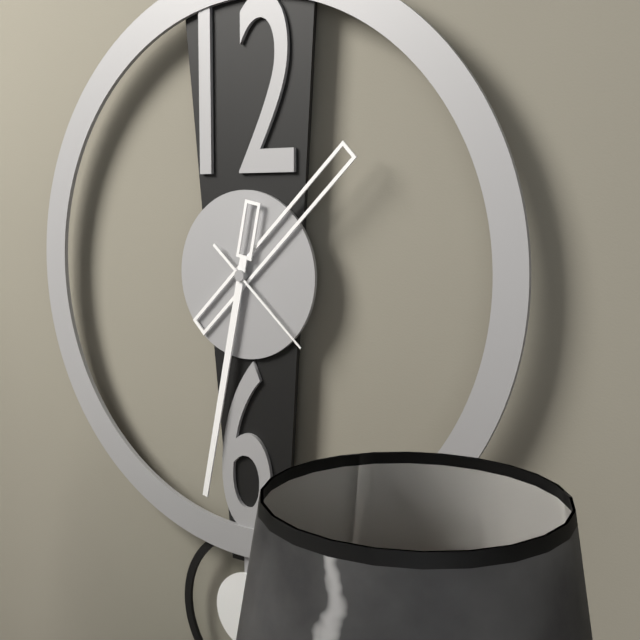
h=1 m=32 s=22
